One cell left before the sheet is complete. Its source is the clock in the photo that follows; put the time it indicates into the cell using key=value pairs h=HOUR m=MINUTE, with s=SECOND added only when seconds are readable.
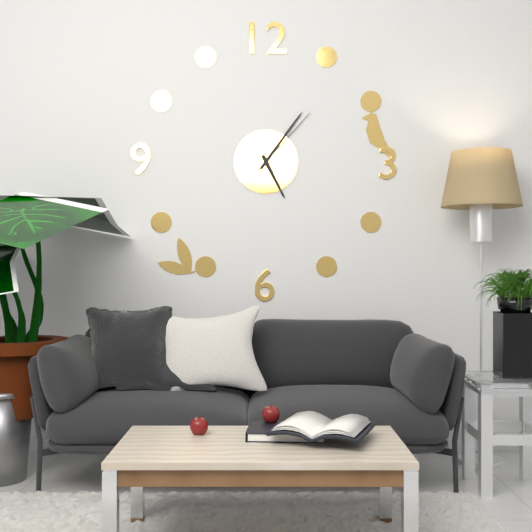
h=5 m=6 s=7
